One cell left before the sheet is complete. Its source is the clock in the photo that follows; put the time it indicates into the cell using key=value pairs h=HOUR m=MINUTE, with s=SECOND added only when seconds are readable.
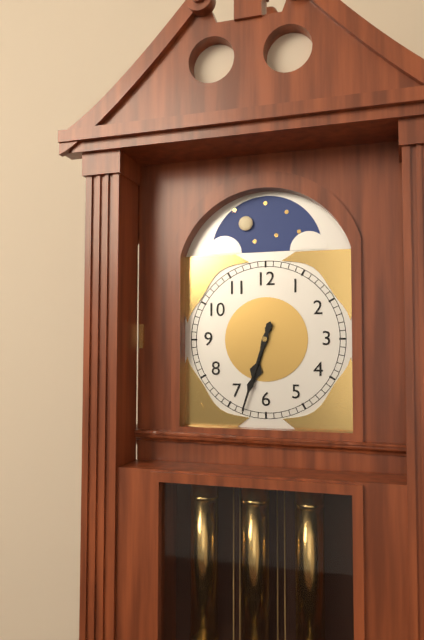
h=6 m=33
